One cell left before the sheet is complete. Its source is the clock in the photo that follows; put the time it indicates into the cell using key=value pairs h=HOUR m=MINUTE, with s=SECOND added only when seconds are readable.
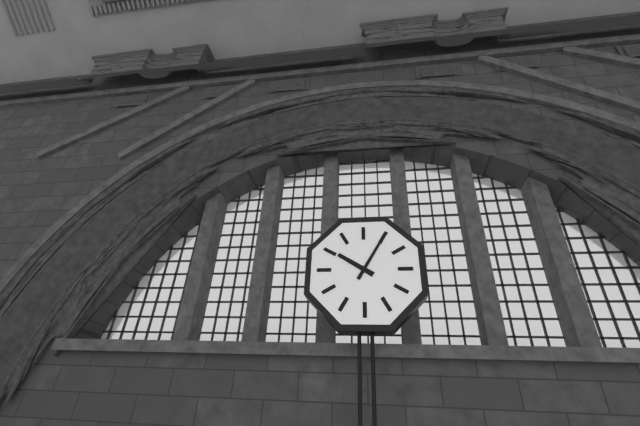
h=10 m=5
